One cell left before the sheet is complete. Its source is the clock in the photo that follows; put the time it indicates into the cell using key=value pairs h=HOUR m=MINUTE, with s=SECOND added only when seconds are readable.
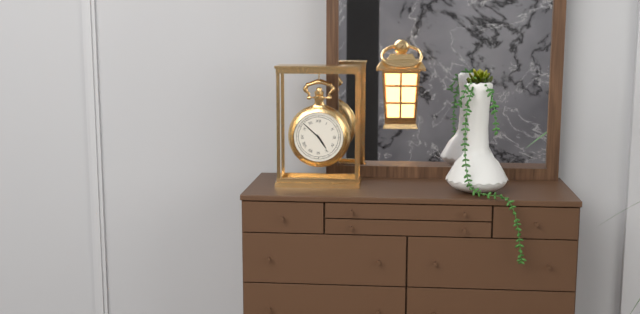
h=4 m=52
